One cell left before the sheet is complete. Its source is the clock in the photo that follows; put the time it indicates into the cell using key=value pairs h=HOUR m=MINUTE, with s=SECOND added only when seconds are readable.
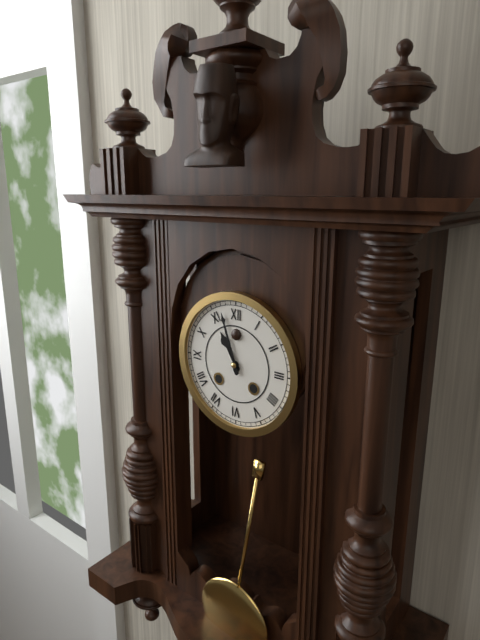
h=10 m=57
